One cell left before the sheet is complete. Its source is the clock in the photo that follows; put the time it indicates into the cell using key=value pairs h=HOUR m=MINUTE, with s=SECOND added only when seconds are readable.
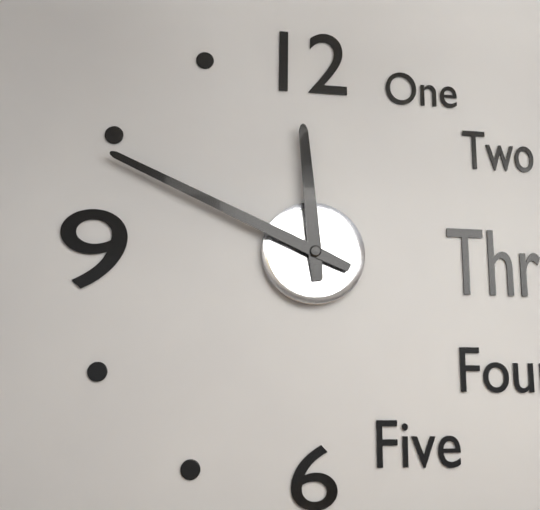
h=11 m=49
